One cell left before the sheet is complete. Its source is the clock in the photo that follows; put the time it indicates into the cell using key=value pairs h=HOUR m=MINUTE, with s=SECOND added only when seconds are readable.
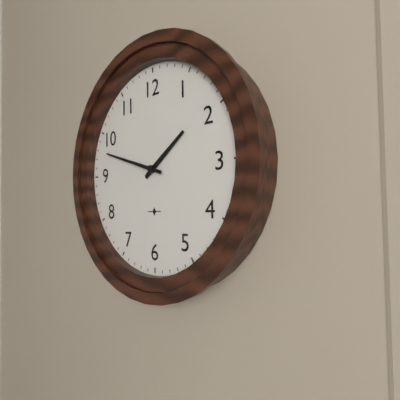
h=1 m=48
